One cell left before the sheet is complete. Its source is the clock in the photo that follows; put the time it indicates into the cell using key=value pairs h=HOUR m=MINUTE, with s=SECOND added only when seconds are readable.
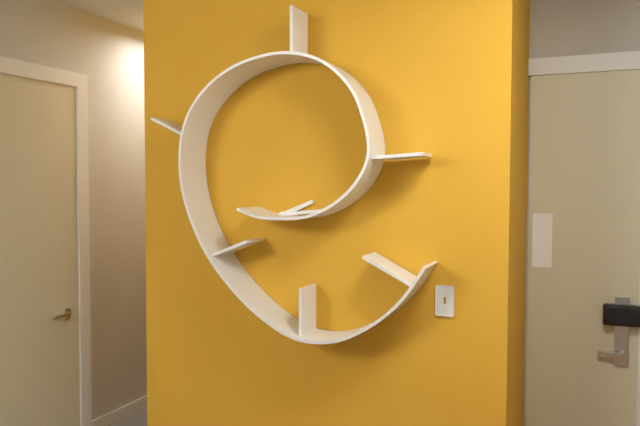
h=2 m=14
